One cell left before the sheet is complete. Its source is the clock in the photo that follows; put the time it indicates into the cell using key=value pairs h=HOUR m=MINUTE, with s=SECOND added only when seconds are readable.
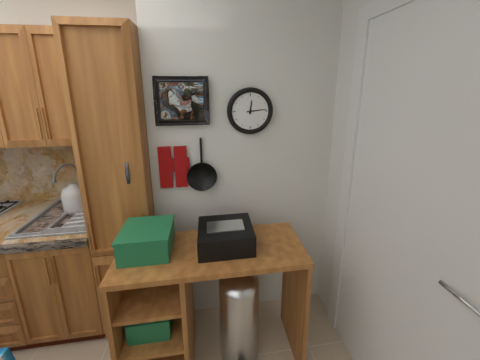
h=12 m=14
